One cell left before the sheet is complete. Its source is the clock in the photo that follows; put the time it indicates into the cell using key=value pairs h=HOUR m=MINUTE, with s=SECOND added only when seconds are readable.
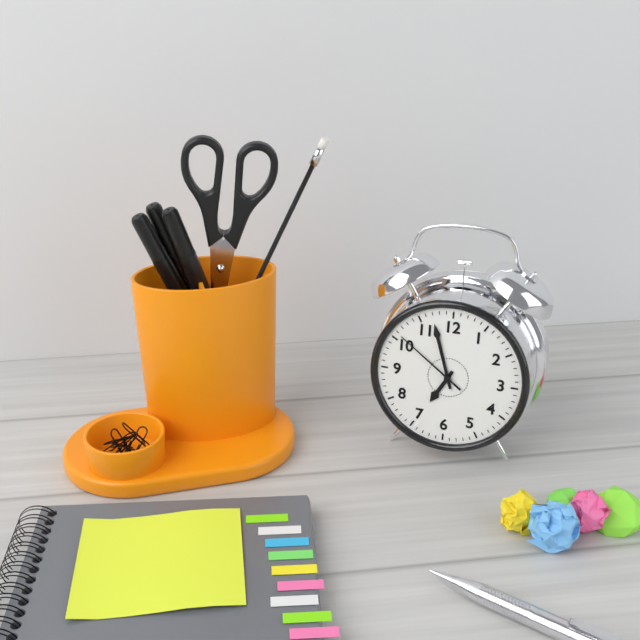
h=6 m=57 s=51
